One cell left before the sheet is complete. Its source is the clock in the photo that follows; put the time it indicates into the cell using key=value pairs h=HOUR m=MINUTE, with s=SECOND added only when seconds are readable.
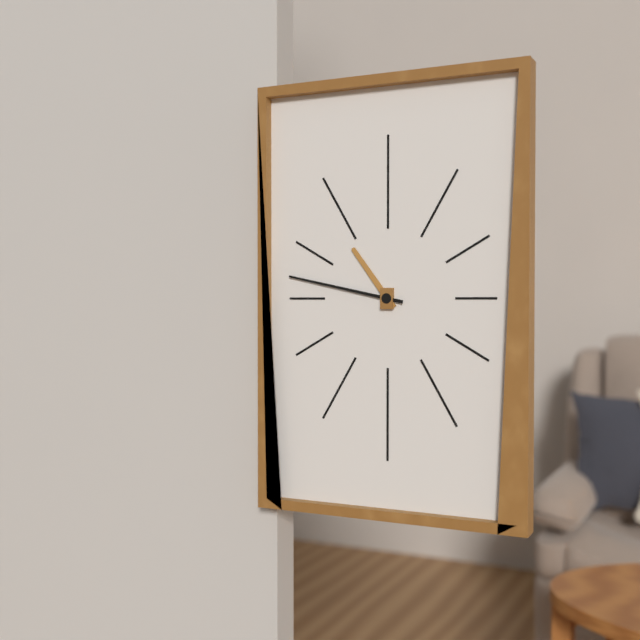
h=10 m=47
